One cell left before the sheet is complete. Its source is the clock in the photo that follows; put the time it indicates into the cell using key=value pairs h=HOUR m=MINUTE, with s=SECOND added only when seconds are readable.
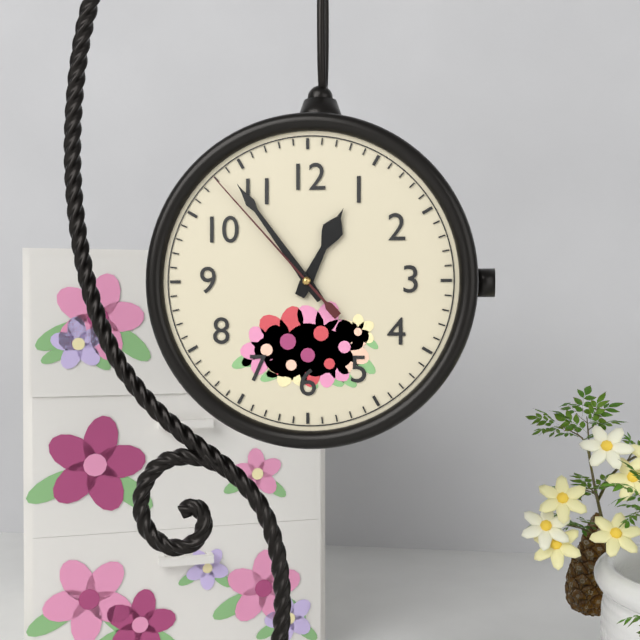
h=12 m=54 s=53
